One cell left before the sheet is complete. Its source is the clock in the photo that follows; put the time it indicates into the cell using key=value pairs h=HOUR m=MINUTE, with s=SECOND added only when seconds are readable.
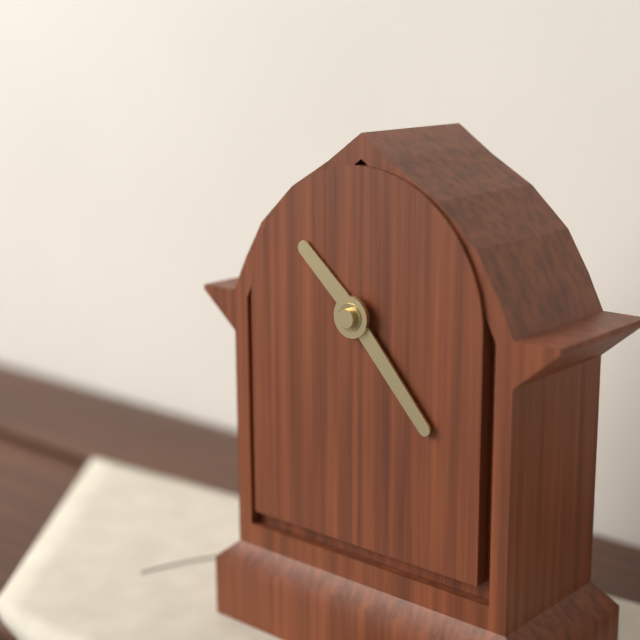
h=10 m=23
